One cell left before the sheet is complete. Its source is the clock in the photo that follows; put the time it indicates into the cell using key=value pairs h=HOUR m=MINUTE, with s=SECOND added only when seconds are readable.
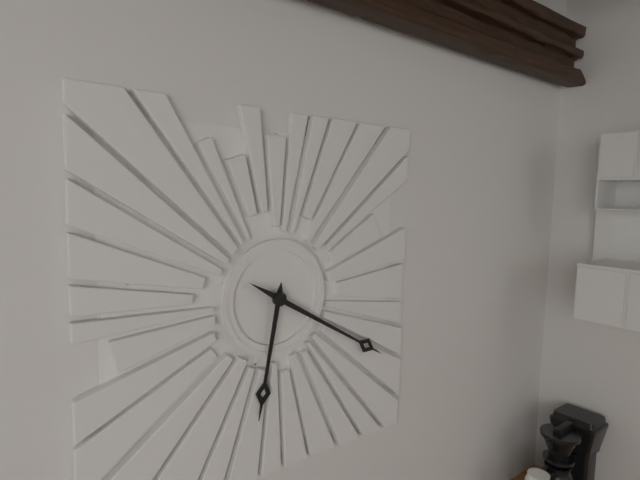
h=6 m=20
